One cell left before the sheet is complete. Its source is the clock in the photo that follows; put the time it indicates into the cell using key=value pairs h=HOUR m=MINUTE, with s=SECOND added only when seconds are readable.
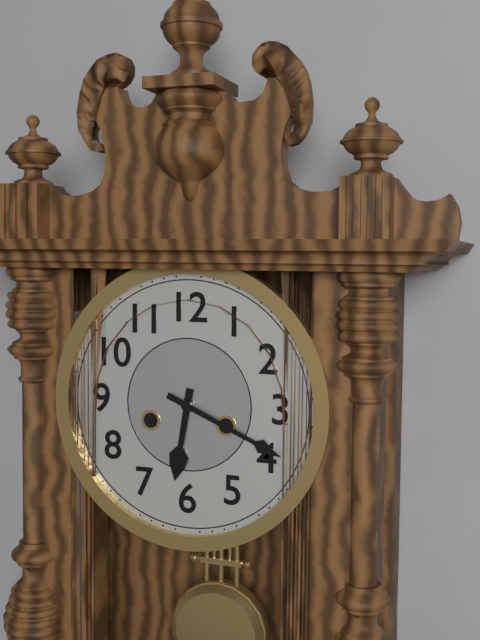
h=6 m=19
